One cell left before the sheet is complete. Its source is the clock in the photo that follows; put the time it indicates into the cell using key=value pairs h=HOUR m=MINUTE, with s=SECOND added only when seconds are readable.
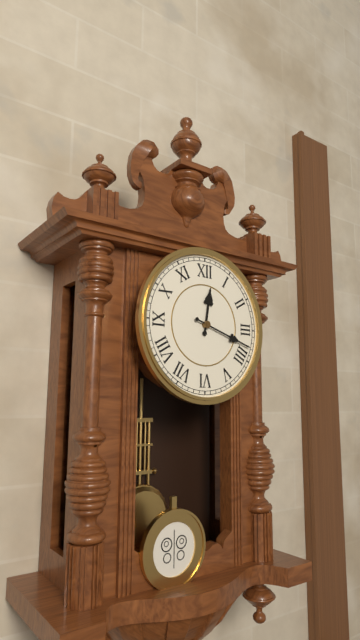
h=12 m=18
